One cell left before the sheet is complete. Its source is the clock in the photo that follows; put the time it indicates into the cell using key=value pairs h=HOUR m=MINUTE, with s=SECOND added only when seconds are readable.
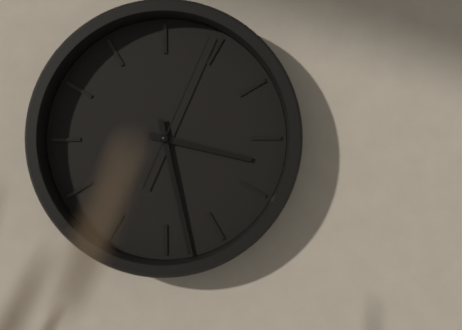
h=3 m=28 s=4
